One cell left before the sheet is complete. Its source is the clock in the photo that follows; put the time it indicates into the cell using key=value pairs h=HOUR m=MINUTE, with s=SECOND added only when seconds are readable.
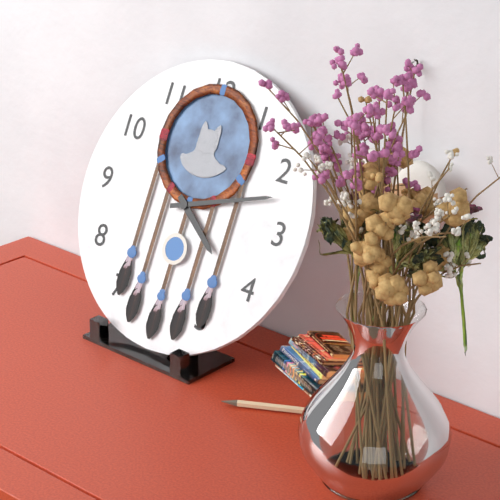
h=4 m=12
